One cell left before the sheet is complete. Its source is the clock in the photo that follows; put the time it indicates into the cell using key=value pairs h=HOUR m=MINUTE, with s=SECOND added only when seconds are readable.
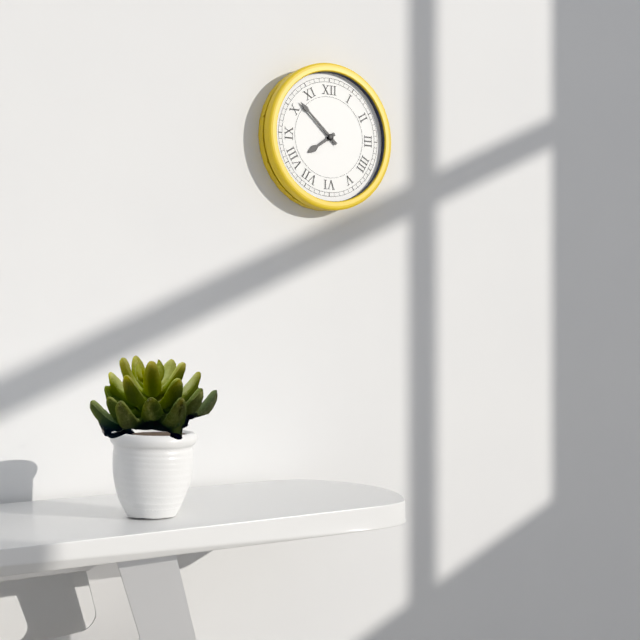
h=7 m=52
